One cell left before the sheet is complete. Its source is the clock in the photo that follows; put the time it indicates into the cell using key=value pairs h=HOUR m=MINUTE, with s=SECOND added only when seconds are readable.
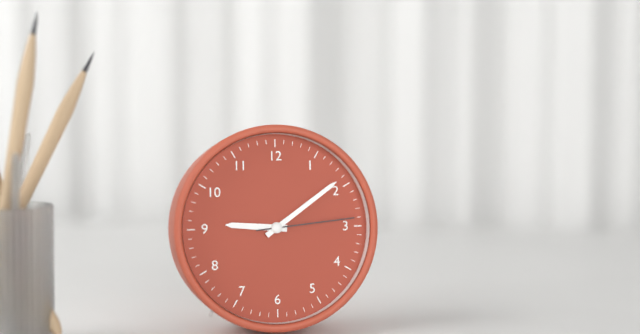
h=9 m=9 s=14
